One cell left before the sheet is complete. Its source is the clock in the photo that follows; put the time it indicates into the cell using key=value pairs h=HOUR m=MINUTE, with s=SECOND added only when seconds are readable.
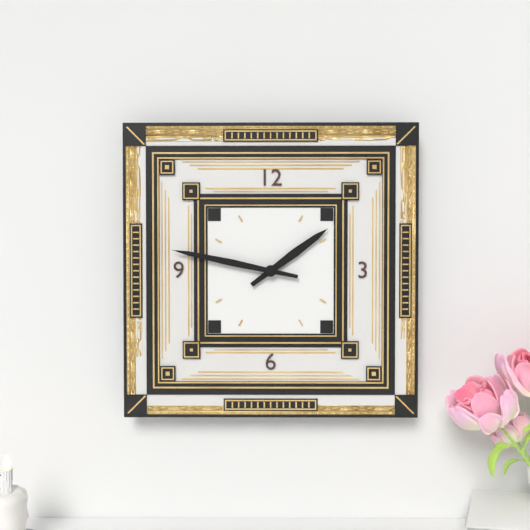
h=1 m=47
